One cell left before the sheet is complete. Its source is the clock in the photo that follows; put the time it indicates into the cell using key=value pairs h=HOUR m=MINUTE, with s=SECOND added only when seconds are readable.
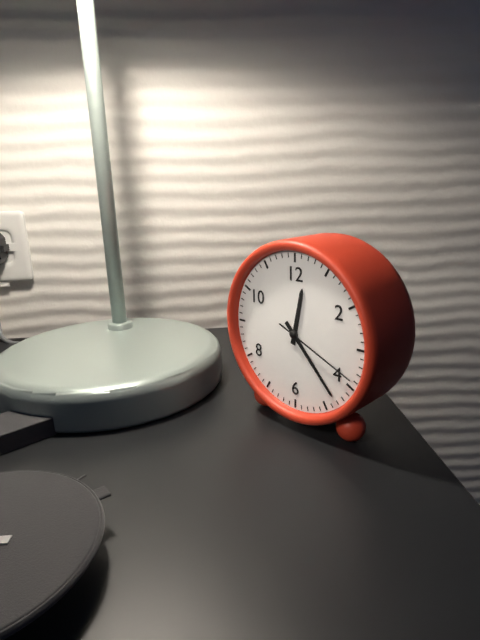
h=12 m=23 s=19
